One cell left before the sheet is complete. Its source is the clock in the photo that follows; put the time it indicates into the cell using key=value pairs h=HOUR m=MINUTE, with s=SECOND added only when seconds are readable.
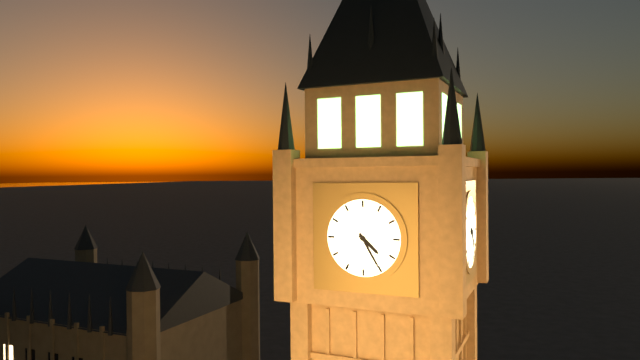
h=4 m=25
